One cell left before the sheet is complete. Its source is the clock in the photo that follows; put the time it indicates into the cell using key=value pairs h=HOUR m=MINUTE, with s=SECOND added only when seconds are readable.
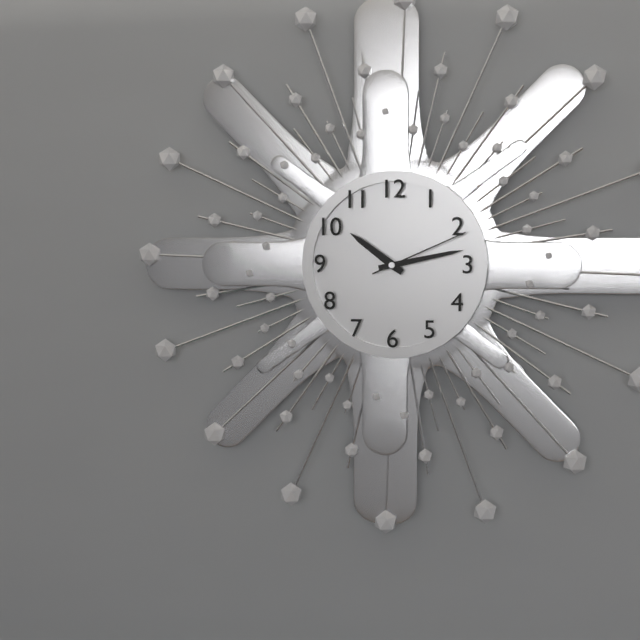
h=10 m=13 s=11
